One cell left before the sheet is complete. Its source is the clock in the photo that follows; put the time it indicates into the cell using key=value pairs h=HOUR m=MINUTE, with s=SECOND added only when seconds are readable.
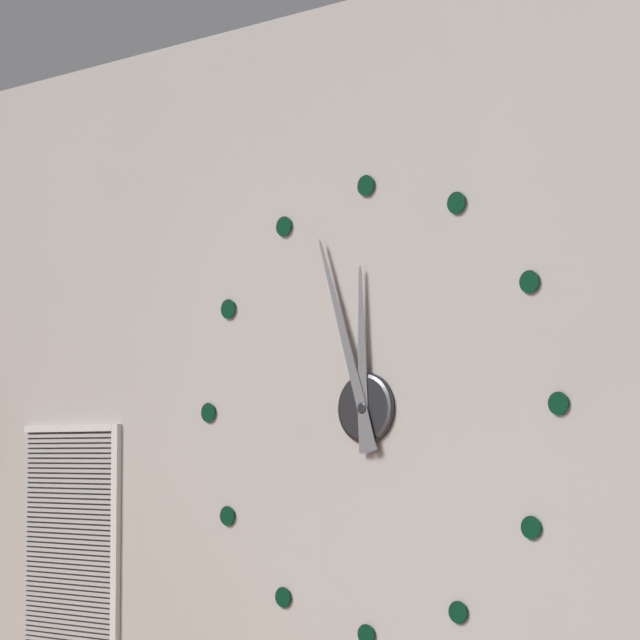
h=11 m=57
